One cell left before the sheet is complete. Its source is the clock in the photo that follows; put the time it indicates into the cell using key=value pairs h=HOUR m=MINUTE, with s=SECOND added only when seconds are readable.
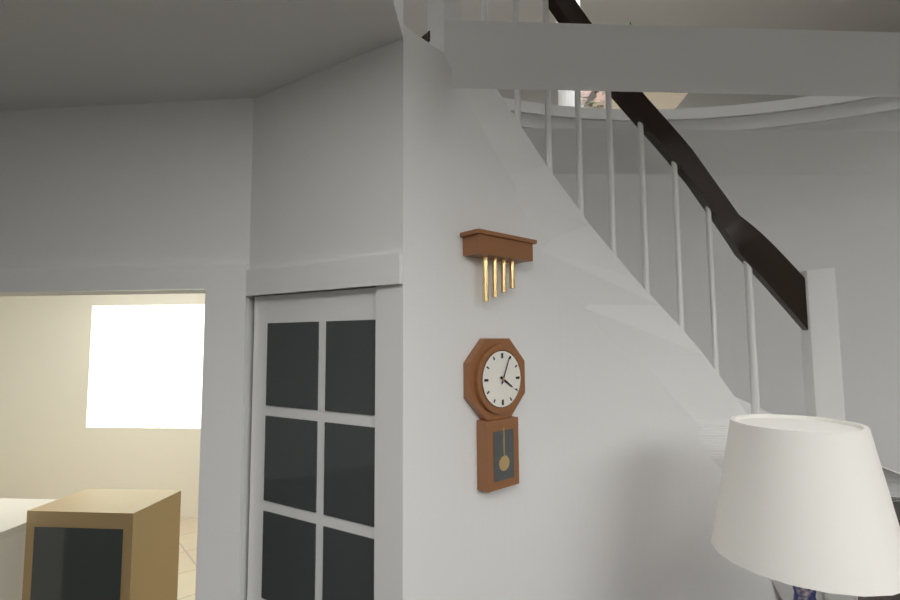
h=4 m=4
